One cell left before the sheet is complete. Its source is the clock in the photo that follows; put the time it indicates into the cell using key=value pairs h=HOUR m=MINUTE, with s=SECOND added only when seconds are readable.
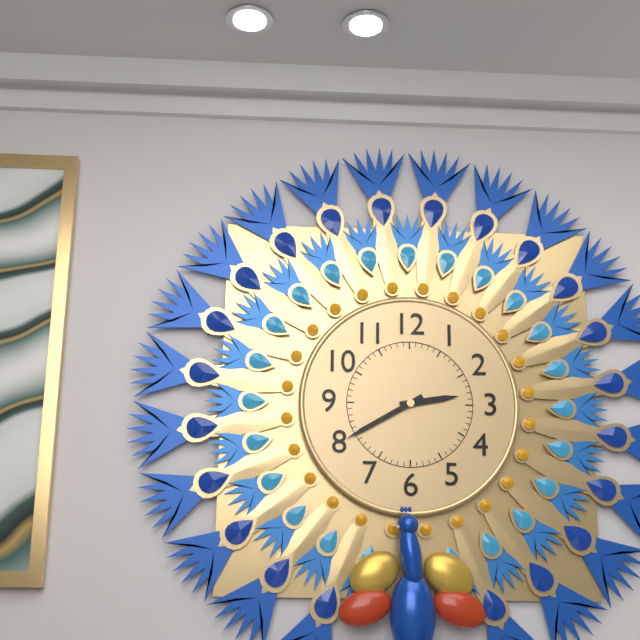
h=2 m=40
